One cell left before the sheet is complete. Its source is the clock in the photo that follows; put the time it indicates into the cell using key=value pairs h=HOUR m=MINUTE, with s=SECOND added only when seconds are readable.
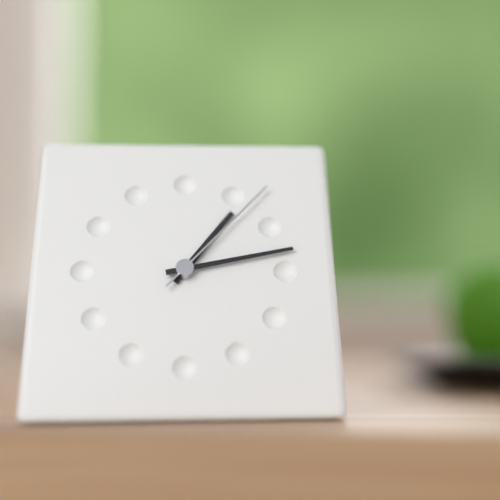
h=1 m=13 s=7
